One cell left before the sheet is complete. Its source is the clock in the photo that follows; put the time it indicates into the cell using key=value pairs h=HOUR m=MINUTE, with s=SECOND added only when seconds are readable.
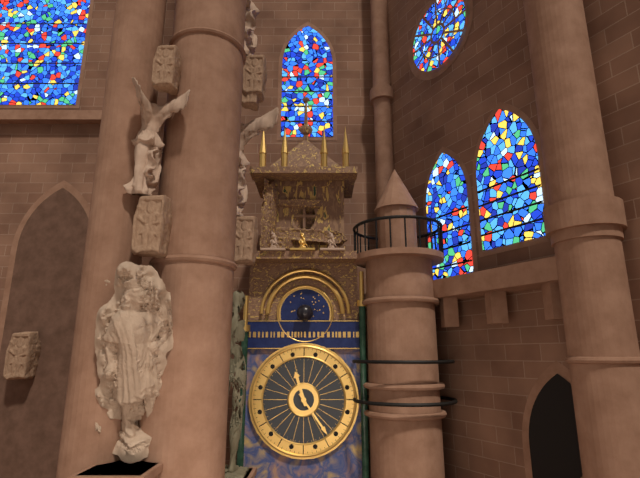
h=11 m=24
